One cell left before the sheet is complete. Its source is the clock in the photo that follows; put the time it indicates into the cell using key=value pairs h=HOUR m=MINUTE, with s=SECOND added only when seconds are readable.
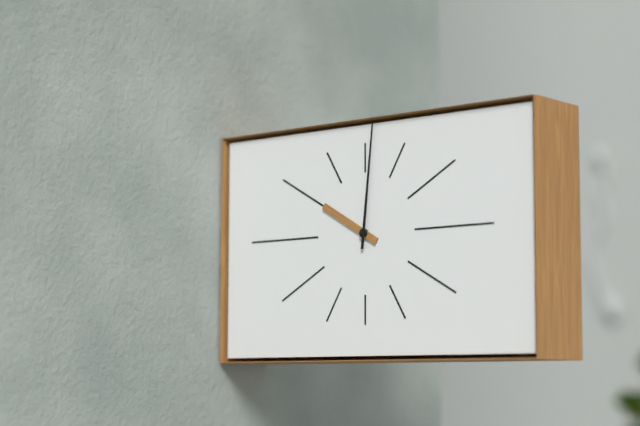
h=10 m=1
